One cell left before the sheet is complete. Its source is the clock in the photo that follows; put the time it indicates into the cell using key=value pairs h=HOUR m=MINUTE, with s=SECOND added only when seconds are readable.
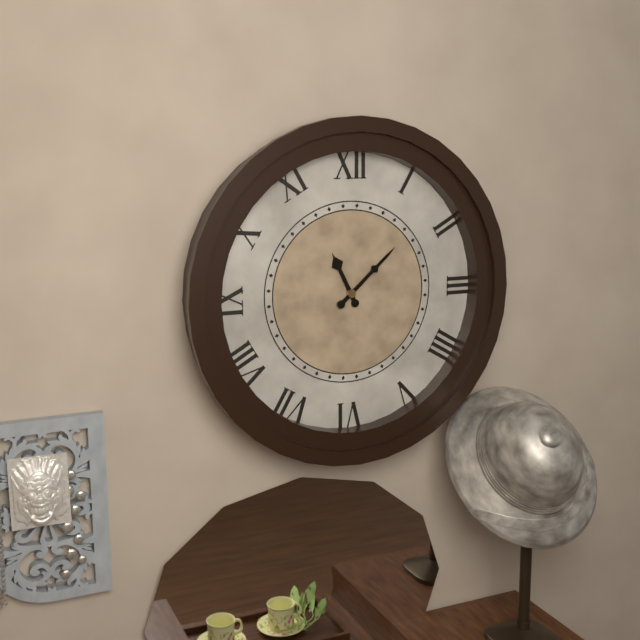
h=11 m=8
